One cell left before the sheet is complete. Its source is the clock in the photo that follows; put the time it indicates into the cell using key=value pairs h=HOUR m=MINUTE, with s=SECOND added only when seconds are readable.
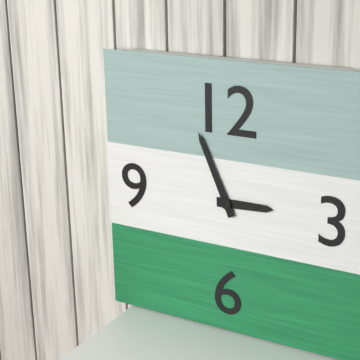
h=2 m=56
